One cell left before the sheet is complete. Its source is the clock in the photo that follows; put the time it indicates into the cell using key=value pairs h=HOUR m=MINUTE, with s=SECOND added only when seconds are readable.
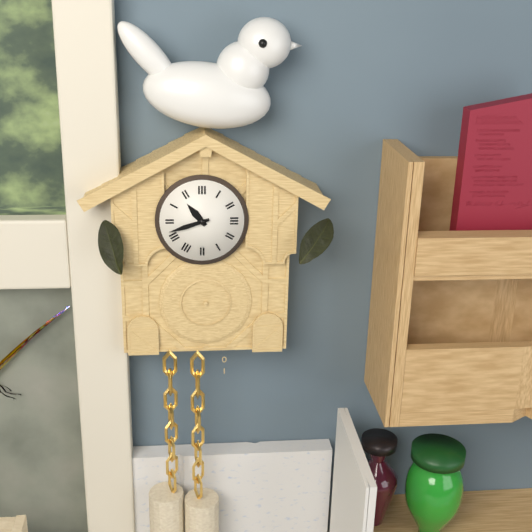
h=10 m=42
